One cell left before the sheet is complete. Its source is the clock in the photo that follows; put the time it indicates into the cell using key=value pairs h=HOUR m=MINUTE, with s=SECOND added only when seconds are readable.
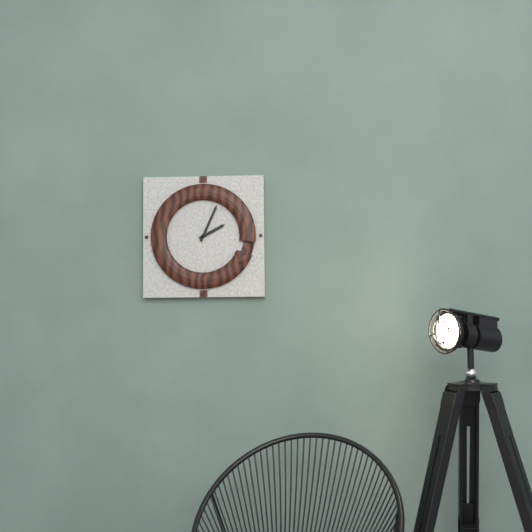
h=2 m=4
